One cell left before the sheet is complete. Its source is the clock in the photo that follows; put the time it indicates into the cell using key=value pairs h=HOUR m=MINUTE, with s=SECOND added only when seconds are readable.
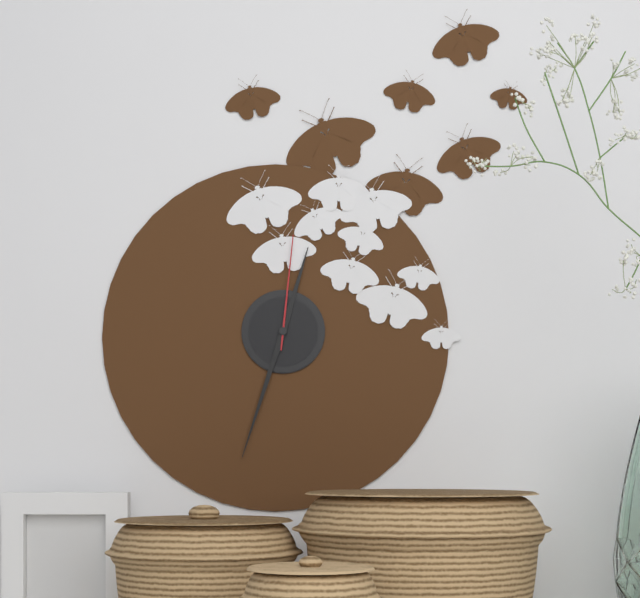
h=12 m=33 s=1
